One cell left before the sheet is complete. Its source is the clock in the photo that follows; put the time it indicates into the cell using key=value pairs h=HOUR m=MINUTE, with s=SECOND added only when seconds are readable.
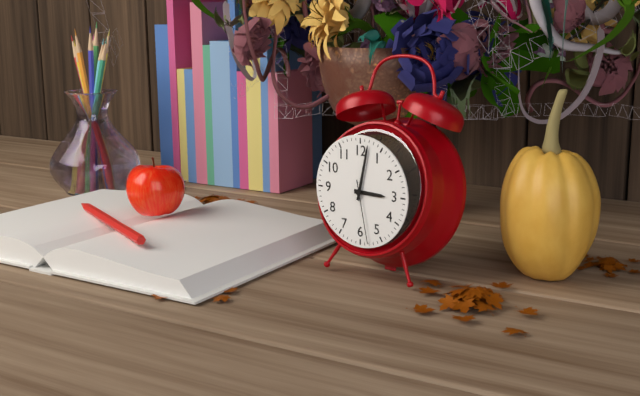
h=3 m=2 s=28
